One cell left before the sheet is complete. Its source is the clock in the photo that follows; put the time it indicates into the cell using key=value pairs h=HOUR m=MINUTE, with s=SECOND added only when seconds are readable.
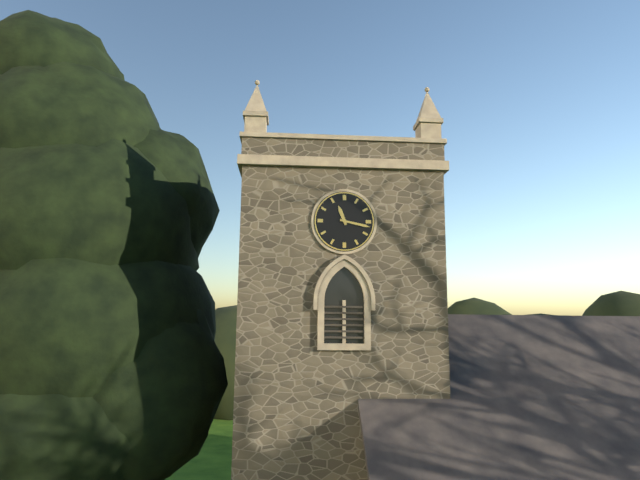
h=11 m=17
